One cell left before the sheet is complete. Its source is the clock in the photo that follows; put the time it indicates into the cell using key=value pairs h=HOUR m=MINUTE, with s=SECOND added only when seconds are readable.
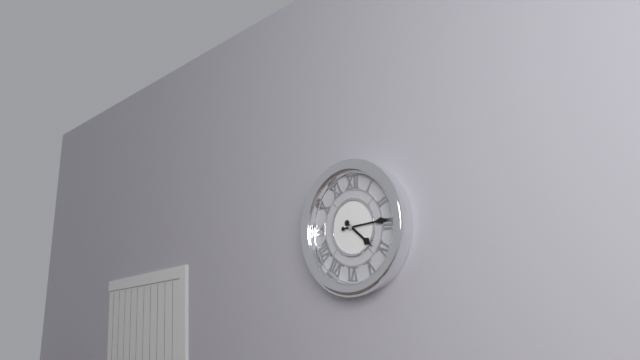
h=4 m=14
